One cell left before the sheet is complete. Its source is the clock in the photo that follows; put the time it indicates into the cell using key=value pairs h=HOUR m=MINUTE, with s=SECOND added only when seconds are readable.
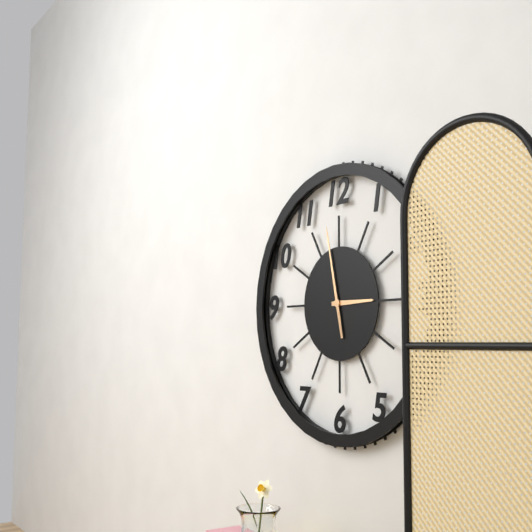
h=2 m=58
